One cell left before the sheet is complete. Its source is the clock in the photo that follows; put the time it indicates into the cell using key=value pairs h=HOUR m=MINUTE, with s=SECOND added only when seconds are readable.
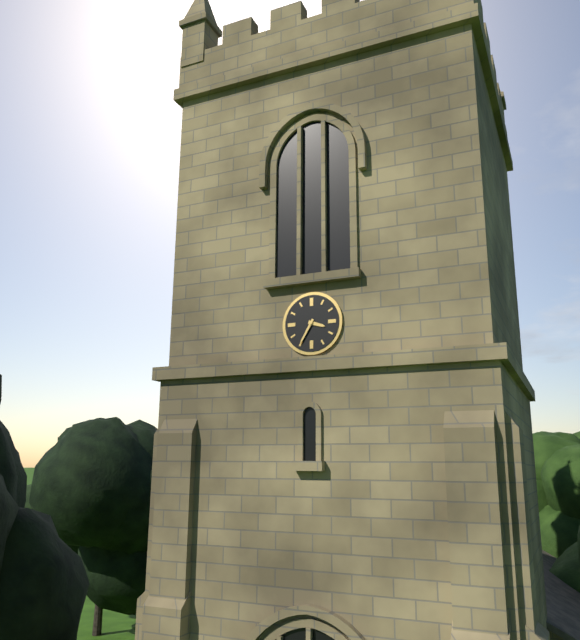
h=3 m=35
